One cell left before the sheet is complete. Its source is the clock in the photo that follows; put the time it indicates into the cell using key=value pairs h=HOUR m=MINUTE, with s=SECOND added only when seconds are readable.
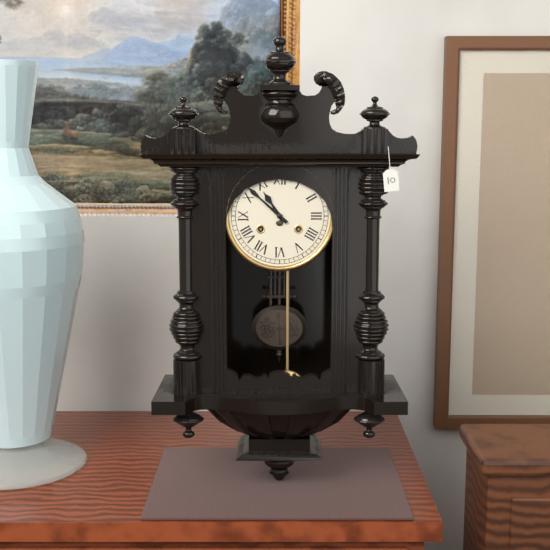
h=10 m=52
